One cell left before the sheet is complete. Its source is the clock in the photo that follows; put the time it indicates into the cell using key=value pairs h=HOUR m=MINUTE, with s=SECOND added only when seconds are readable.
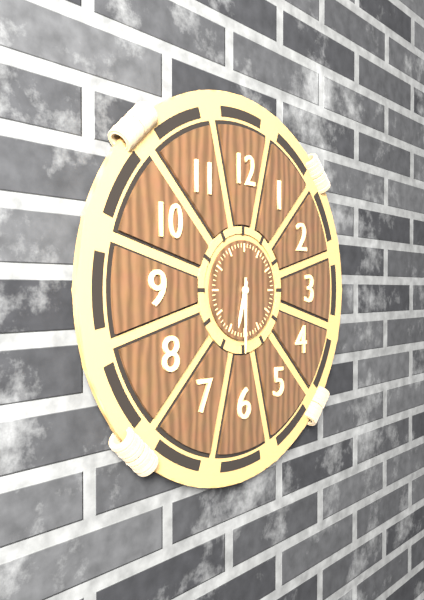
h=6 m=30
